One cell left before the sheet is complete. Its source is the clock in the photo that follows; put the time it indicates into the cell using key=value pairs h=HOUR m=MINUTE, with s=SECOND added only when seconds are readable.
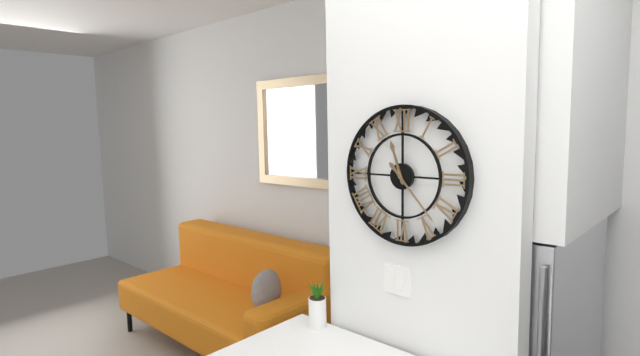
h=11 m=23
